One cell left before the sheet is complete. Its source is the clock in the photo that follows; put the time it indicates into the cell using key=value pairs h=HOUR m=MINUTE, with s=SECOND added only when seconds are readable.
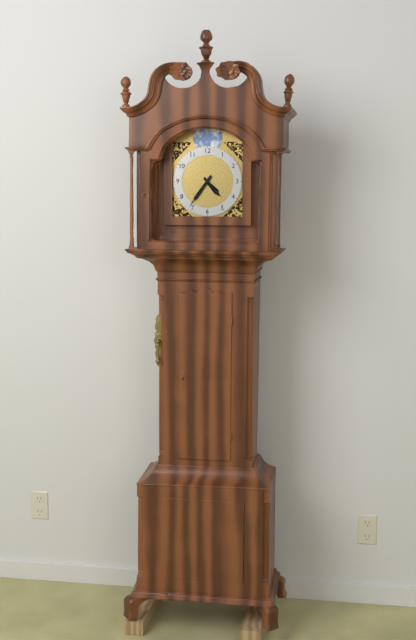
h=4 m=36
